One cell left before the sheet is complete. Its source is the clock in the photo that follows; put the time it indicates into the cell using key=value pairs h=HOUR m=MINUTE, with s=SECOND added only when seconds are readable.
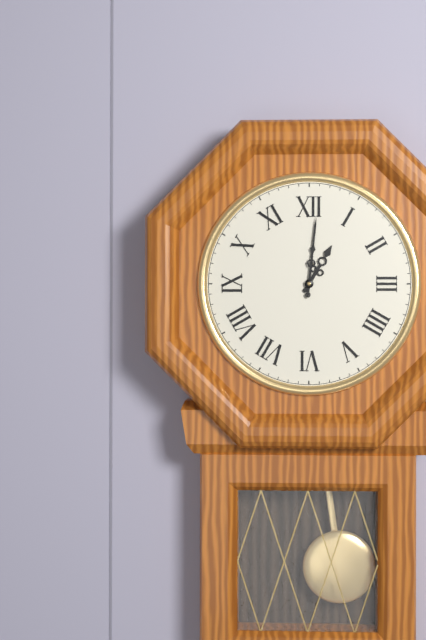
h=1 m=1
